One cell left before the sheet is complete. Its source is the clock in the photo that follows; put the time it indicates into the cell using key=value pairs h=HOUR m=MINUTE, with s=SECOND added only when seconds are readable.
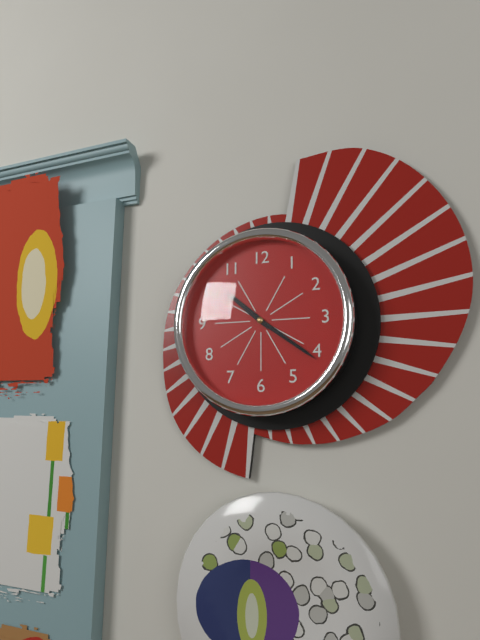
h=10 m=21
